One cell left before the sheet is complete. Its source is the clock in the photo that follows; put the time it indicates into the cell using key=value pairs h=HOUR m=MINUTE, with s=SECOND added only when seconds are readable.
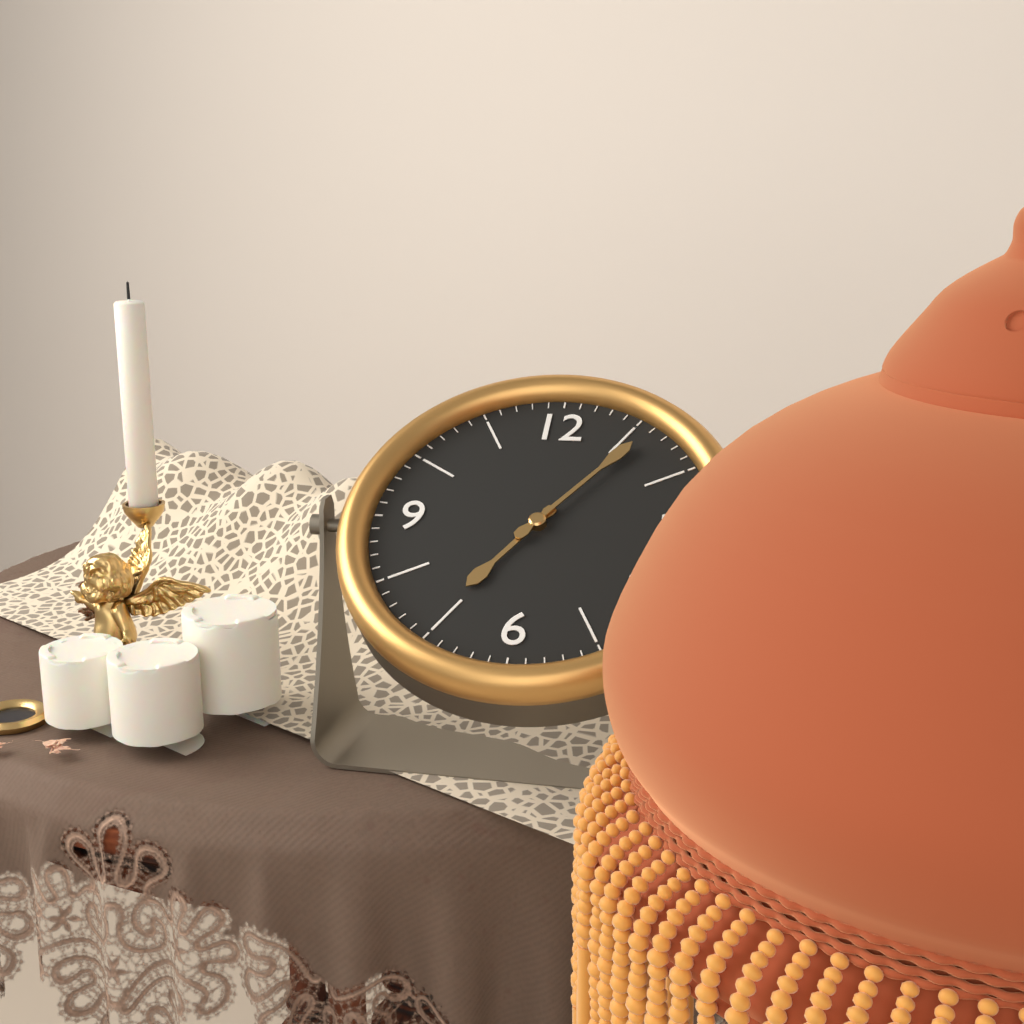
h=7 m=6
